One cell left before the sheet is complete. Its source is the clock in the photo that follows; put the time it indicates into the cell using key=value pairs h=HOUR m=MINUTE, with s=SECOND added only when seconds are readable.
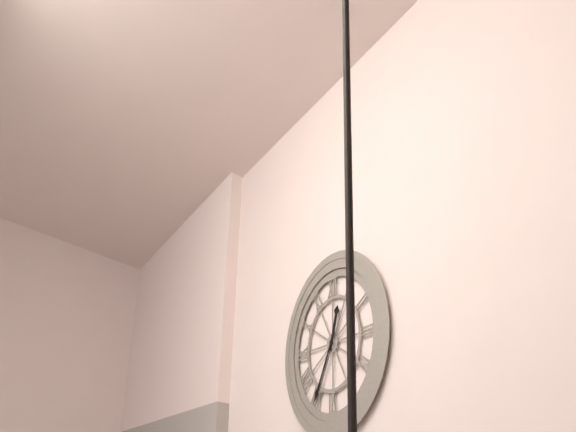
h=12 m=35
